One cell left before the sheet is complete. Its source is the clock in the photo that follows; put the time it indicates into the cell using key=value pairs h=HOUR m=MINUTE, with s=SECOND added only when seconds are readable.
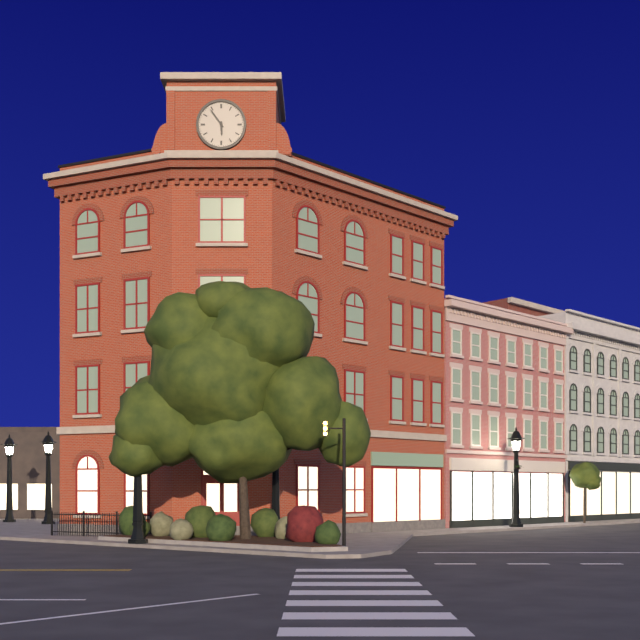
h=5 m=54
